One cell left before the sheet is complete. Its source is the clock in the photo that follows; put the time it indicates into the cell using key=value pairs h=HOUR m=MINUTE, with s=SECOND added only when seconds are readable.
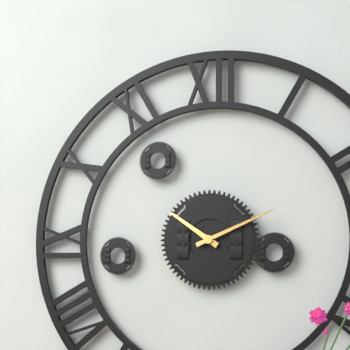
h=10 m=11
